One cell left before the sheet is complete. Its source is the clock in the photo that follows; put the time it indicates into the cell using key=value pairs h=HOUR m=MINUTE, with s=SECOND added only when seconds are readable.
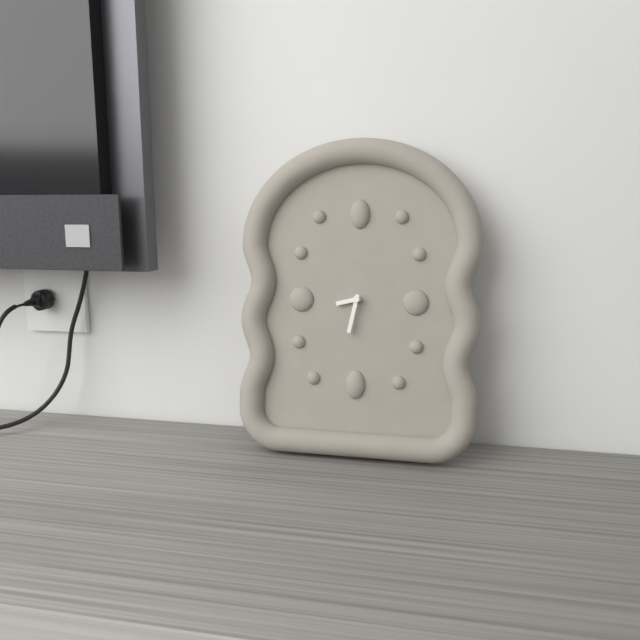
h=8 m=32
